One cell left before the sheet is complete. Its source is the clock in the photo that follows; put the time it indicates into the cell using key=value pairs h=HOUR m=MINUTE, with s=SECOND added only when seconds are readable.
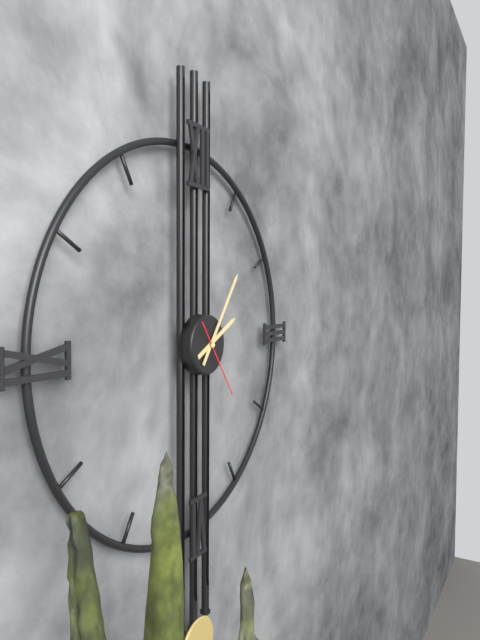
h=2 m=6 s=24
